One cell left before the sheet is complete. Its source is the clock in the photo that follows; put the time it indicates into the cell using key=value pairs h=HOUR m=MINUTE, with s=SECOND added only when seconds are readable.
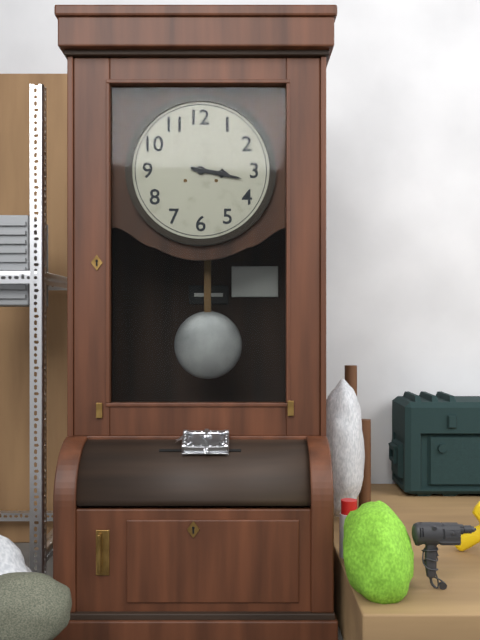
h=3 m=17
